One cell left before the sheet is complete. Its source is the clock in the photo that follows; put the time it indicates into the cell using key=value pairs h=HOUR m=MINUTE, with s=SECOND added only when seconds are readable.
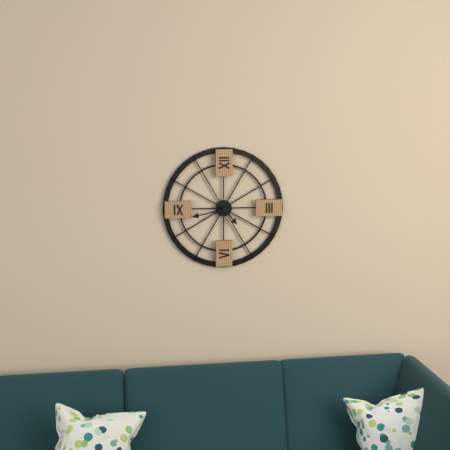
h=4 m=43
